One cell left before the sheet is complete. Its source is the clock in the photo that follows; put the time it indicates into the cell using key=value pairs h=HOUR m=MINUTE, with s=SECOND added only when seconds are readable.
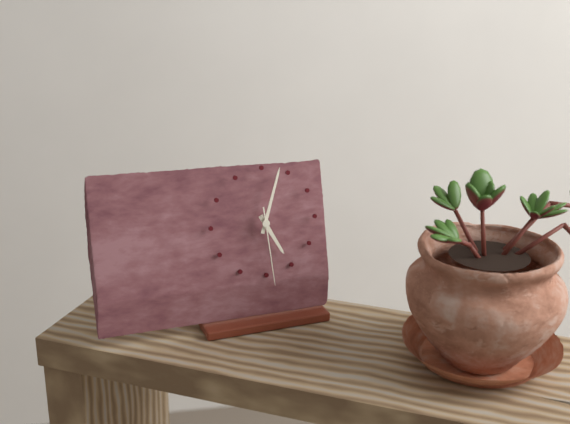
h=5 m=3 s=29
